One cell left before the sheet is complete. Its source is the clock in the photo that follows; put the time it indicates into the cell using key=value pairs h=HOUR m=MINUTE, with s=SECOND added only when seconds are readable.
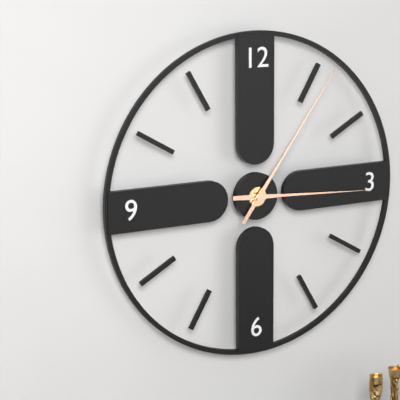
h=3 m=6
